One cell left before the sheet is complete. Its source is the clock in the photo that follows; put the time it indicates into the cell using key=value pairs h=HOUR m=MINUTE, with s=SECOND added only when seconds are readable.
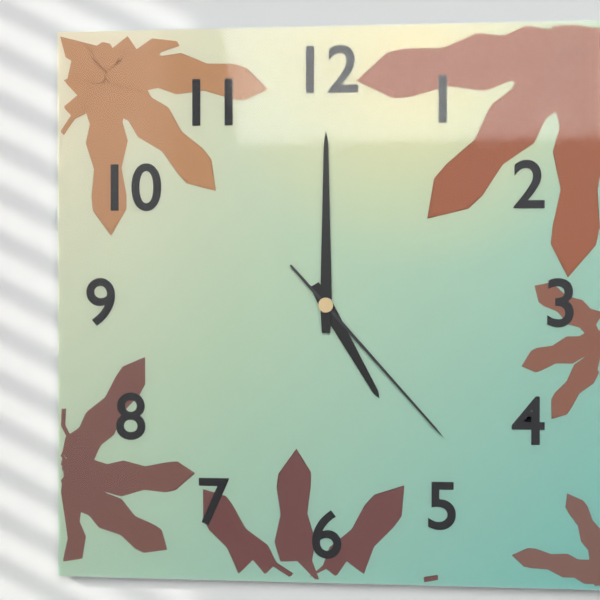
h=5 m=0 s=23
